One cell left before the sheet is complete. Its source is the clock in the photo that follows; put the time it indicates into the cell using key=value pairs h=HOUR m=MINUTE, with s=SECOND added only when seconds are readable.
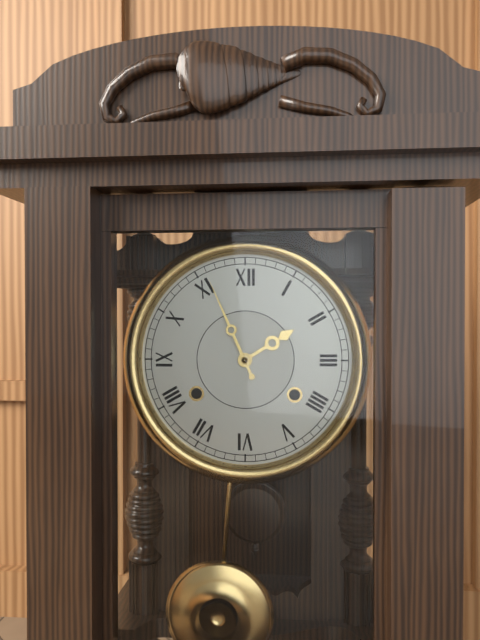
h=1 m=56
